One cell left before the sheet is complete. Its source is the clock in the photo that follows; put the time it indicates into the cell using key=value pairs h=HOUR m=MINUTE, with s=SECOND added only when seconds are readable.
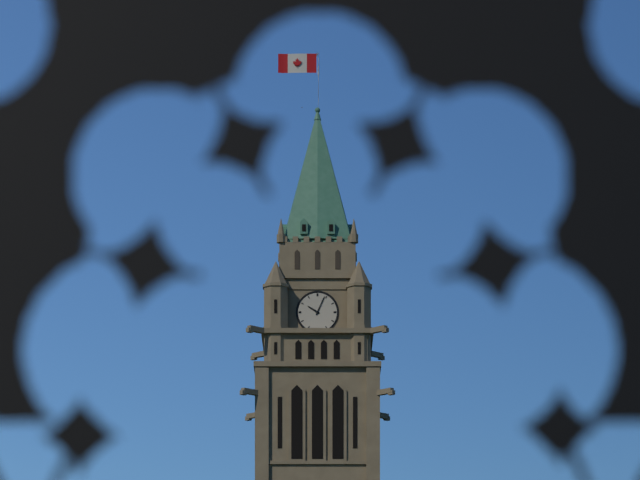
h=10 m=4
